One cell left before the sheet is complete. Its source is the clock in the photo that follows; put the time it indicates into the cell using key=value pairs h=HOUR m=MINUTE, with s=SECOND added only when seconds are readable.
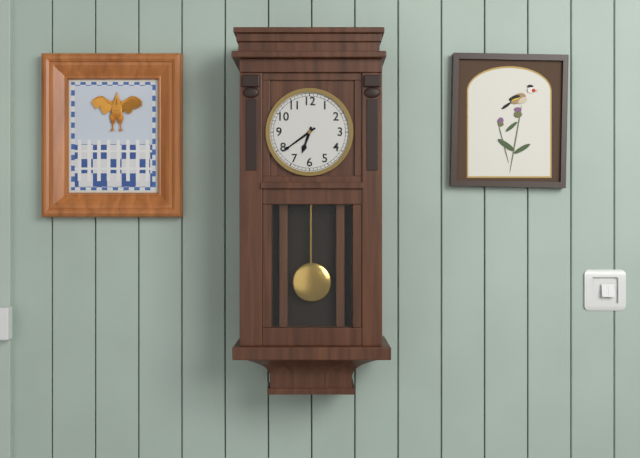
h=6 m=39
